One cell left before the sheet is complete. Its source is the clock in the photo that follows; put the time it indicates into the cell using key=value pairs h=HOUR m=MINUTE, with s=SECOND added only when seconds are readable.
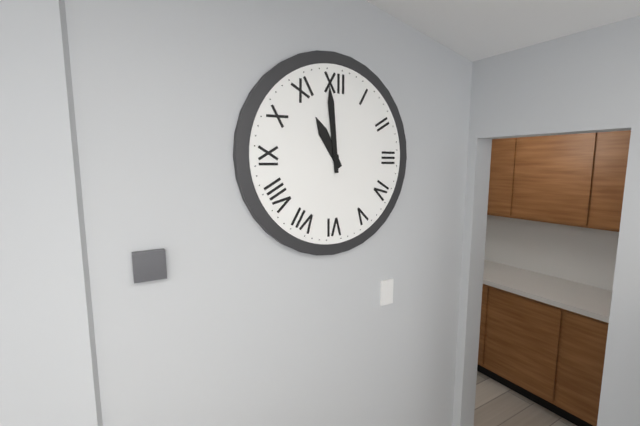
h=10 m=59
